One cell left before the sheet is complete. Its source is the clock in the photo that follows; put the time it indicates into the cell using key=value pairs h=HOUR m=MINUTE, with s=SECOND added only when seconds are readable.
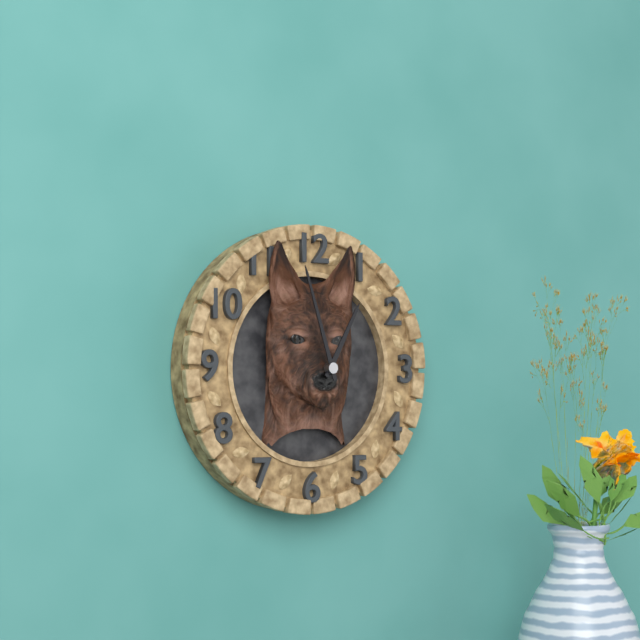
h=12 m=57
